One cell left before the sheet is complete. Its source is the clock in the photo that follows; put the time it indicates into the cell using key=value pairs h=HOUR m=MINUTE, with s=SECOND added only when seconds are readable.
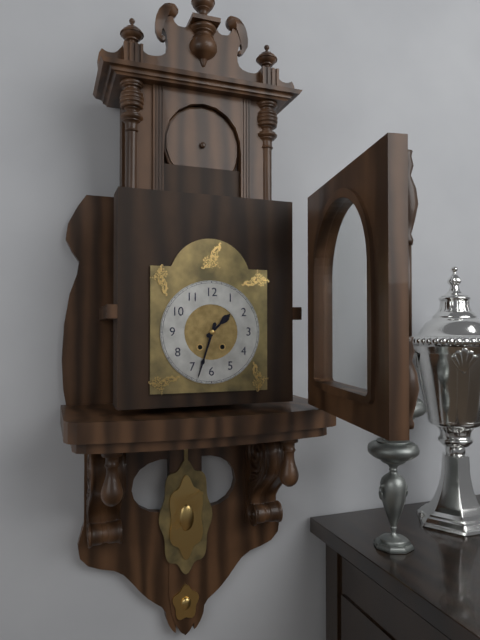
h=1 m=33
